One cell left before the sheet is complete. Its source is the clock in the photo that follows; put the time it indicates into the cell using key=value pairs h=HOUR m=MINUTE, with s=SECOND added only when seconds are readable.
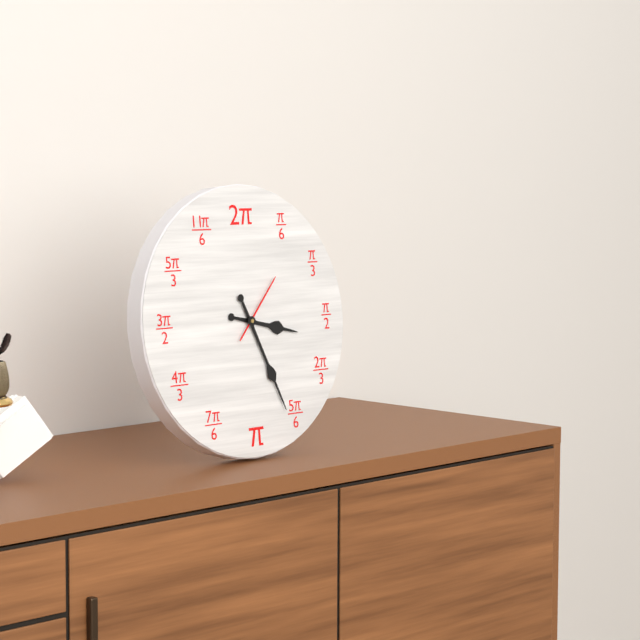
h=3 m=26 s=7
